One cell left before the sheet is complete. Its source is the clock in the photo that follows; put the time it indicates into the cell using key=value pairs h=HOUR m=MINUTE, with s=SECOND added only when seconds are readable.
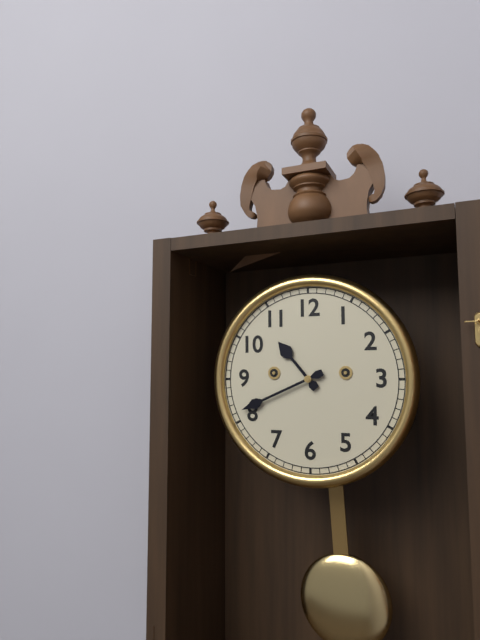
h=10 m=41
